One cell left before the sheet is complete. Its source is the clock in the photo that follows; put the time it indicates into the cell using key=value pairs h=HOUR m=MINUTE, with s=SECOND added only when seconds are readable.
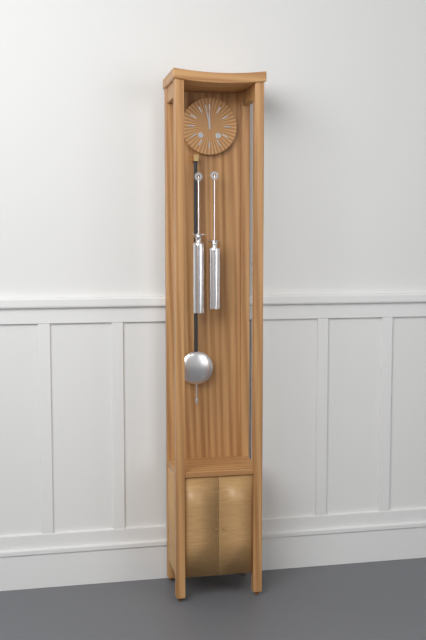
h=11 m=58
